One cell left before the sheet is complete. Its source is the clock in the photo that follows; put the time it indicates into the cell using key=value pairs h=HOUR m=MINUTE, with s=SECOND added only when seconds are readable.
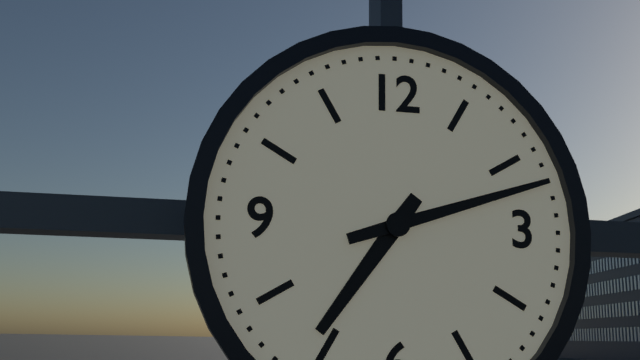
h=7 m=12
